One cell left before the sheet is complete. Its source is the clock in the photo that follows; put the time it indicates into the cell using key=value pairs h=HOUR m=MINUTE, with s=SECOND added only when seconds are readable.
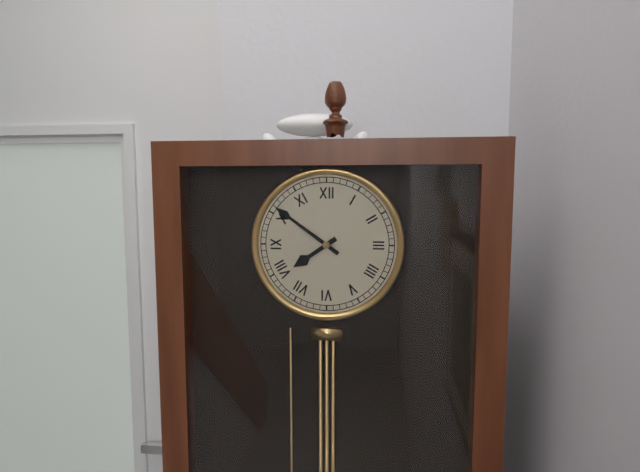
h=7 m=51
